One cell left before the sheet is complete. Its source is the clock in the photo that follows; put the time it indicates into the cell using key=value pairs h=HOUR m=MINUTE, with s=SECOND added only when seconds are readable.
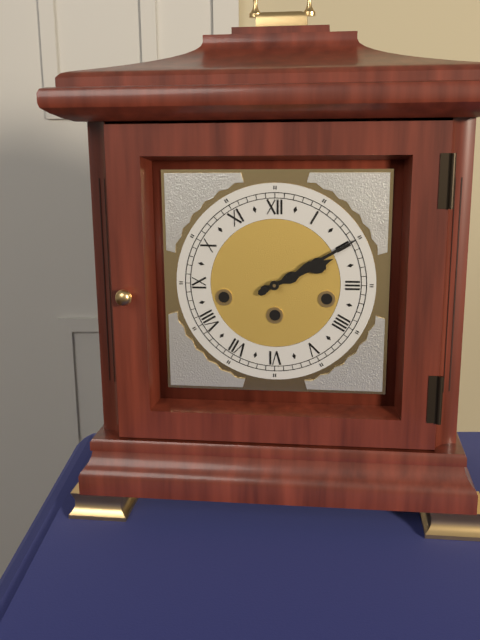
h=2 m=10
